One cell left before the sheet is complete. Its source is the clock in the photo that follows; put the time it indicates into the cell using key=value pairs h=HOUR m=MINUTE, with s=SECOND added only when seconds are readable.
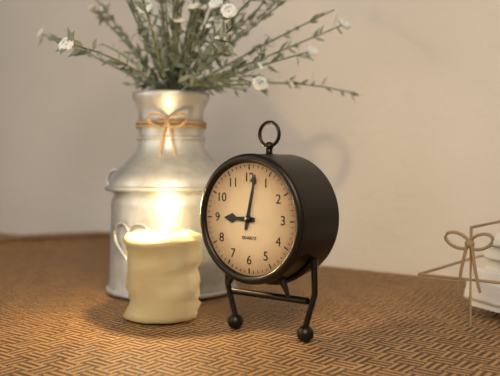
h=9 m=2
